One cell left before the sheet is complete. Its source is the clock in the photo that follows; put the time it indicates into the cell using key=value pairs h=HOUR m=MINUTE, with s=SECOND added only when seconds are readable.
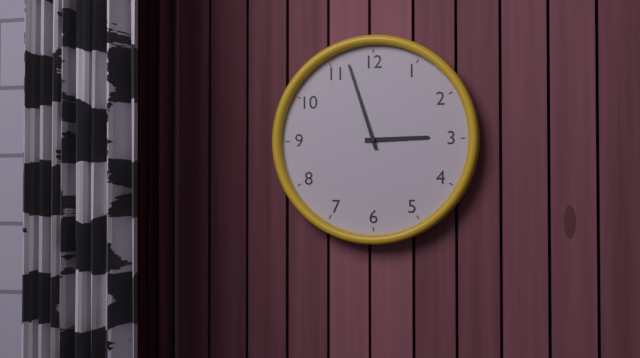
h=2 m=57
